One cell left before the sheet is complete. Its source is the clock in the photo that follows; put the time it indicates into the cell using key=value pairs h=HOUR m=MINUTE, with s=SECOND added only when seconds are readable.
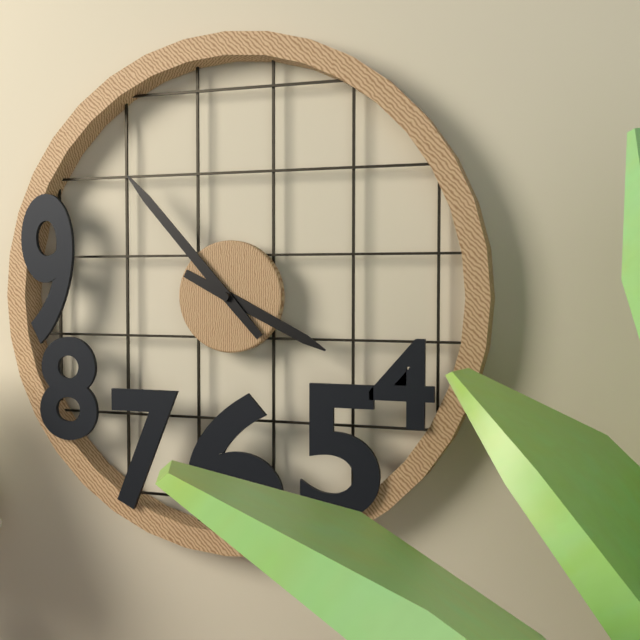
h=3 m=53
